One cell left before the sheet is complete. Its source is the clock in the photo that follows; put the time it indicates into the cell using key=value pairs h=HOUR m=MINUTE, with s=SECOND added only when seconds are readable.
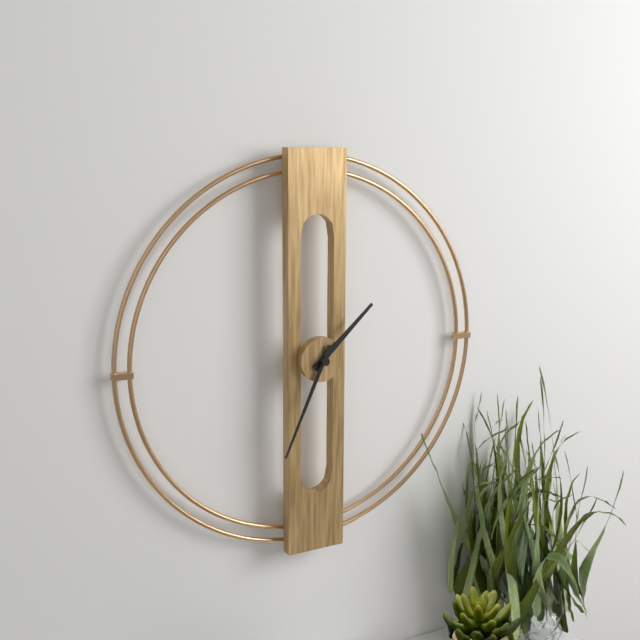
h=1 m=34
